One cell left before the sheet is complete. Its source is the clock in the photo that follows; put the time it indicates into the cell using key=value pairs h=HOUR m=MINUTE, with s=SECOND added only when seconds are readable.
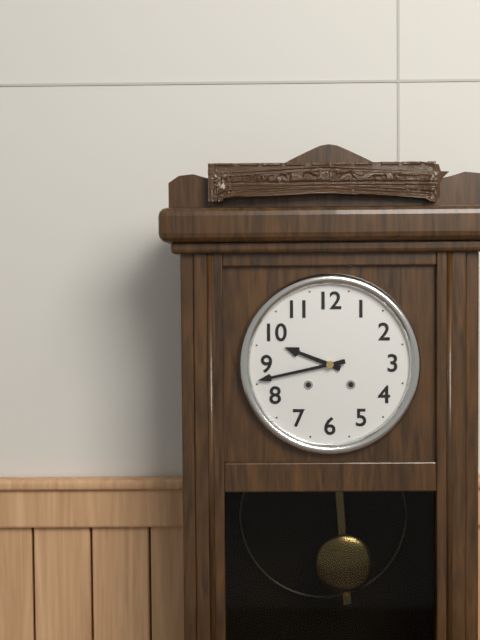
h=9 m=43
